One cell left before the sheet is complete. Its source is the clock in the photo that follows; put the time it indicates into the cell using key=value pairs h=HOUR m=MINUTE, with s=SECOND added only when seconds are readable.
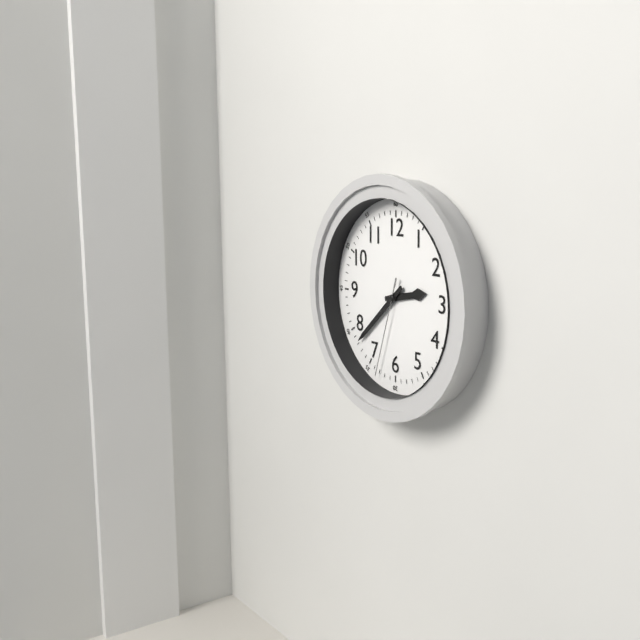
h=2 m=38 s=33
